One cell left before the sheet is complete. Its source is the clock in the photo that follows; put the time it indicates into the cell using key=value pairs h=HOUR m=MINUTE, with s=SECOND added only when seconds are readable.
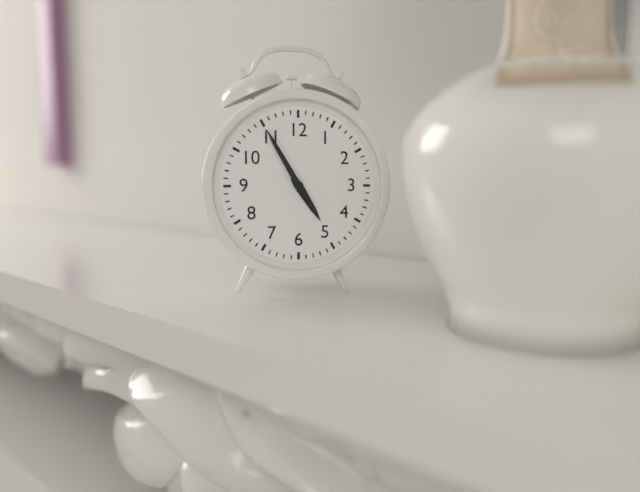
h=4 m=55
